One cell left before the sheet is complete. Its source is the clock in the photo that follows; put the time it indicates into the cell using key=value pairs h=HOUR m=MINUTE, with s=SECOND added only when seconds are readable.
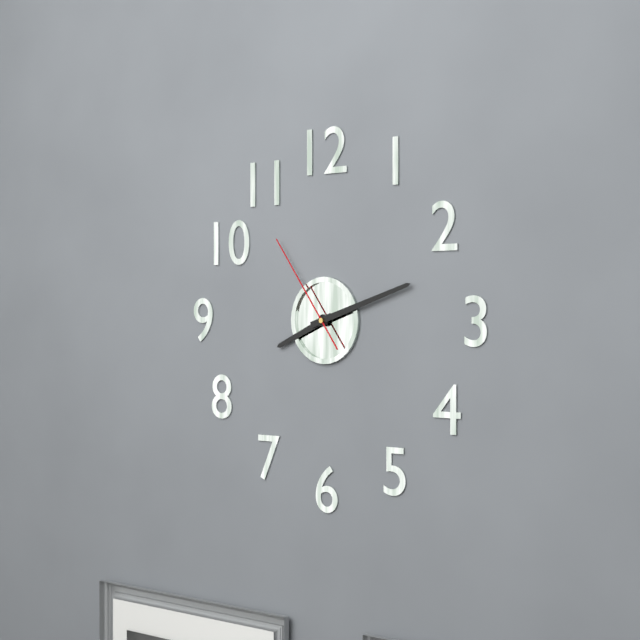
h=8 m=12 s=54
